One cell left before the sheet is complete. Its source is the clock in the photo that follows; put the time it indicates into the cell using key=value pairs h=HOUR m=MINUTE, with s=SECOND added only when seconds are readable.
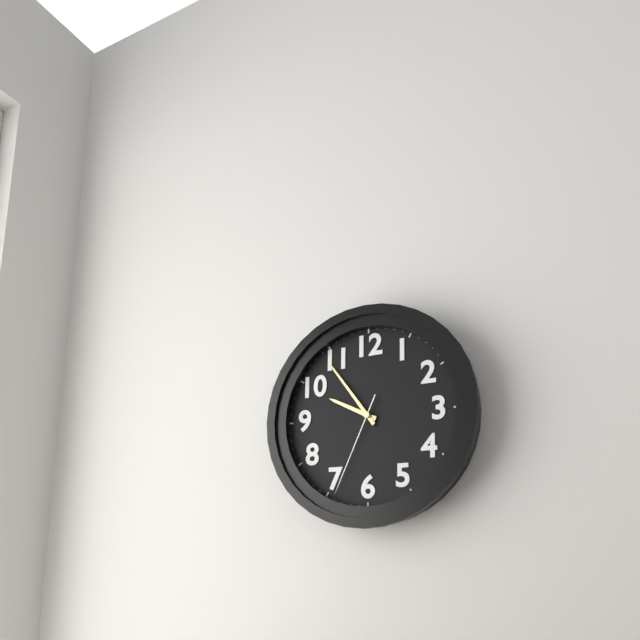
h=9 m=54 s=34
